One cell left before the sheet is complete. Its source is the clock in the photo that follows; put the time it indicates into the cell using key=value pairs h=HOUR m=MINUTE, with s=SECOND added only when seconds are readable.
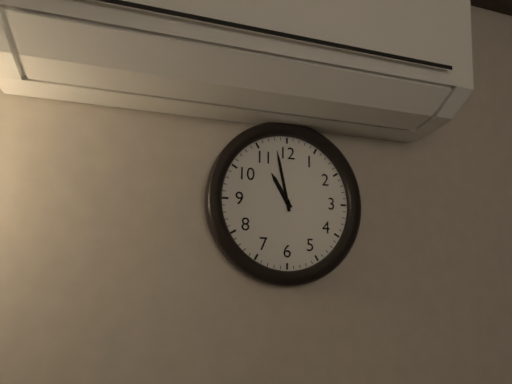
h=10 m=58
